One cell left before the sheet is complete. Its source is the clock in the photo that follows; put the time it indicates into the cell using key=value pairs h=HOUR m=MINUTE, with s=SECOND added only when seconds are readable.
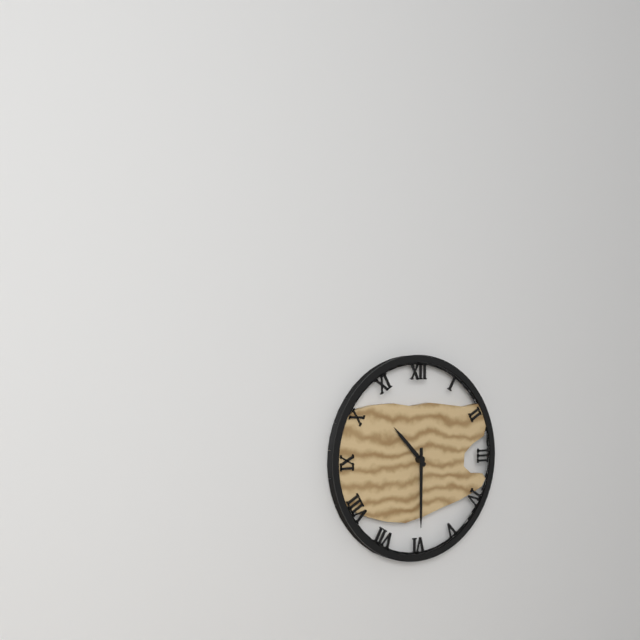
h=10 m=30
